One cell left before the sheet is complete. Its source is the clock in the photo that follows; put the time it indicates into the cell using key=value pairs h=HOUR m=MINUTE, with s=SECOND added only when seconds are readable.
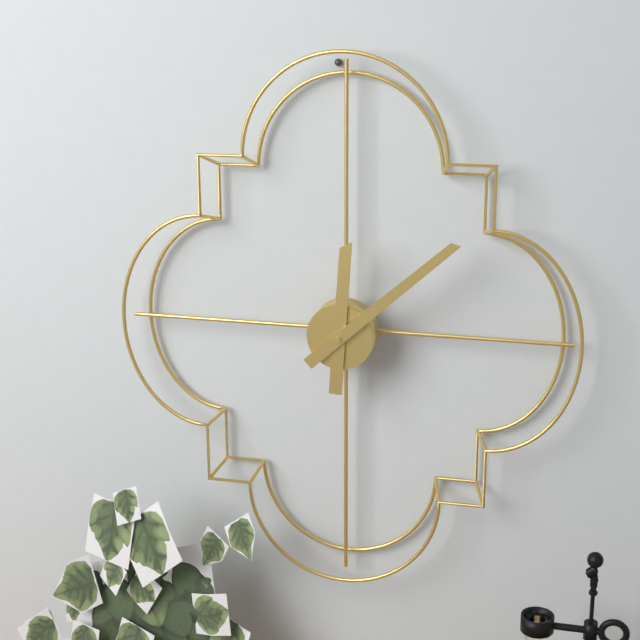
h=12 m=8
